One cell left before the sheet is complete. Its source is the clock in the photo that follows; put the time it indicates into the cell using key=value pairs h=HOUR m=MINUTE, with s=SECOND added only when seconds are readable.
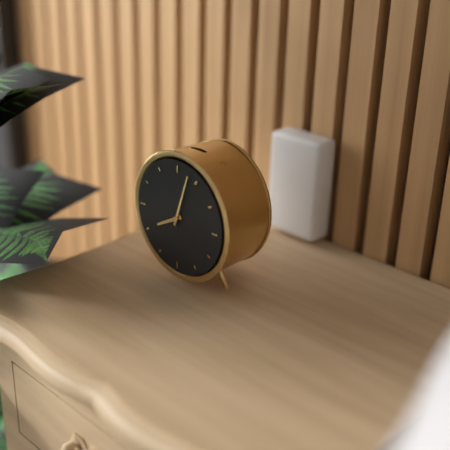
h=8 m=3
